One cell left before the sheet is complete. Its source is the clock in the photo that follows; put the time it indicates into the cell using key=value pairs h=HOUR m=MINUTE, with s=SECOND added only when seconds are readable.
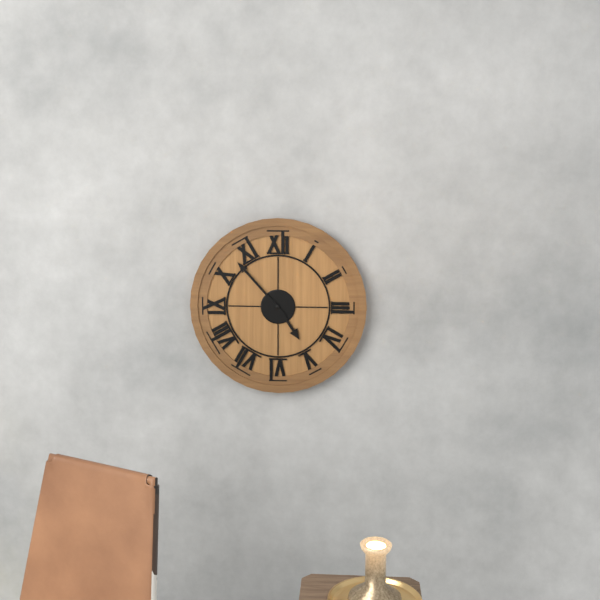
h=4 m=53
